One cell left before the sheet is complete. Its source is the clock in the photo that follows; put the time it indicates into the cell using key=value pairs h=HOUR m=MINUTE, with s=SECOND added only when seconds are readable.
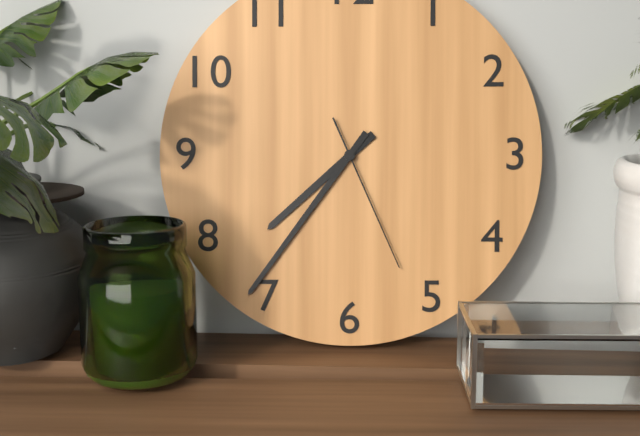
h=7 m=36 s=26
